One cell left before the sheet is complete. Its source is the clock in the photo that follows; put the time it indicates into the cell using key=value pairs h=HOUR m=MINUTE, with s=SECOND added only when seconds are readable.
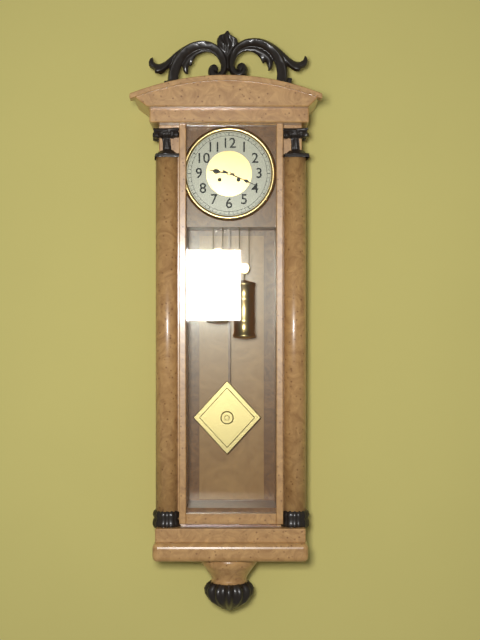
h=9 m=19
